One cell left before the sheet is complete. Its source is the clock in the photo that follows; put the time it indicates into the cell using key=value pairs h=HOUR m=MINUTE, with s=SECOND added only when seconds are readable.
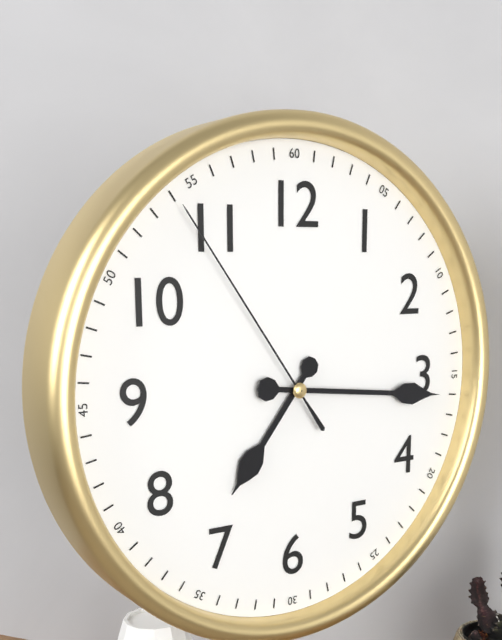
h=7 m=16 s=54
